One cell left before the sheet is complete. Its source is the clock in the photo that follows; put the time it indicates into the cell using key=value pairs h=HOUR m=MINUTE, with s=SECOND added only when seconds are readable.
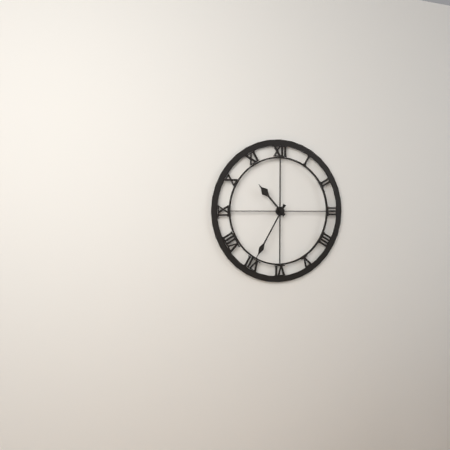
h=10 m=35
